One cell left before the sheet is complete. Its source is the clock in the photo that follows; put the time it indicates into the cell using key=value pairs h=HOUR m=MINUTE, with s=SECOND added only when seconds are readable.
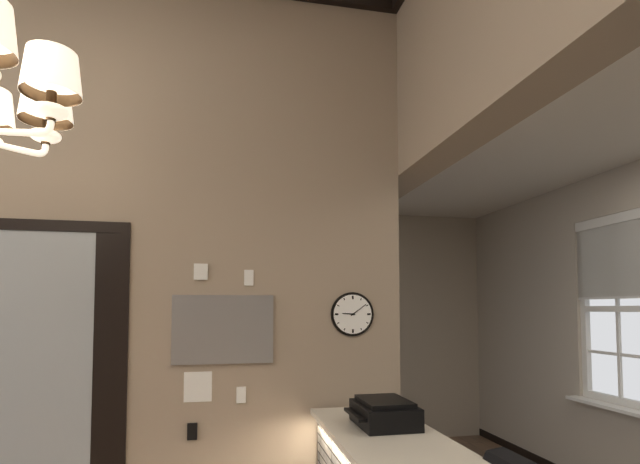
h=9 m=9
